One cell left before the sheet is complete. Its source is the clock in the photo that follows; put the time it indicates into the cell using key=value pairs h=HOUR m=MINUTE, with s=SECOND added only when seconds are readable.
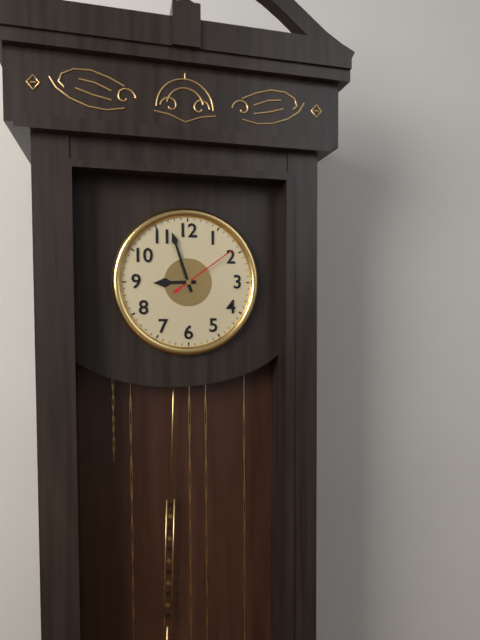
h=8 m=57 s=9
